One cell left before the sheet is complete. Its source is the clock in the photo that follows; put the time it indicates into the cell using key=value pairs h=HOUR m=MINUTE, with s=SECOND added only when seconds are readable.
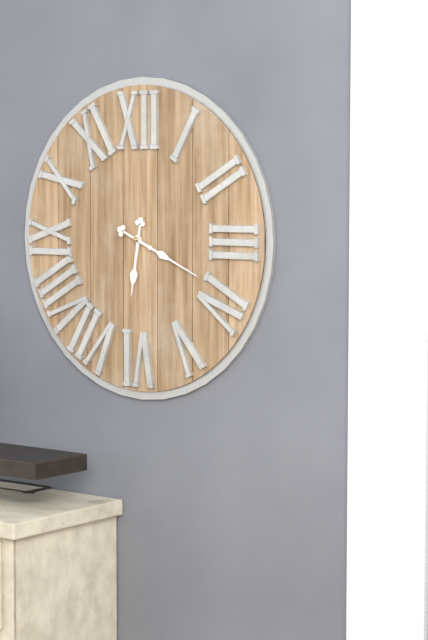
h=6 m=19
